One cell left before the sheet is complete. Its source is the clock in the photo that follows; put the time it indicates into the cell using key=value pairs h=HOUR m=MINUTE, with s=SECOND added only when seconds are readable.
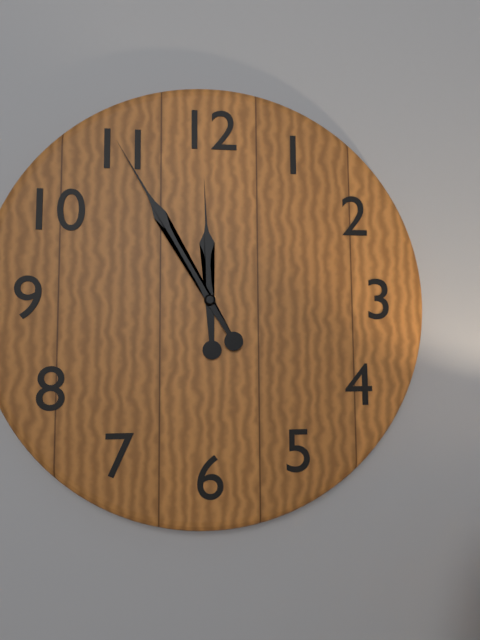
h=11 m=55
